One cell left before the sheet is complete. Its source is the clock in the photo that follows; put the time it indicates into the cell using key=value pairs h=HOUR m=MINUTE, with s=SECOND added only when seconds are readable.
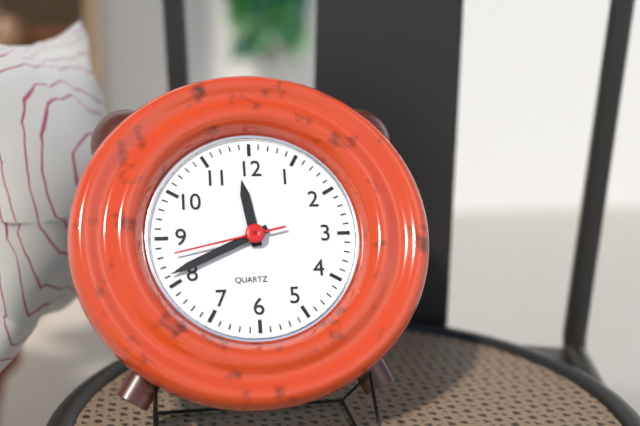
h=11 m=41 s=43
